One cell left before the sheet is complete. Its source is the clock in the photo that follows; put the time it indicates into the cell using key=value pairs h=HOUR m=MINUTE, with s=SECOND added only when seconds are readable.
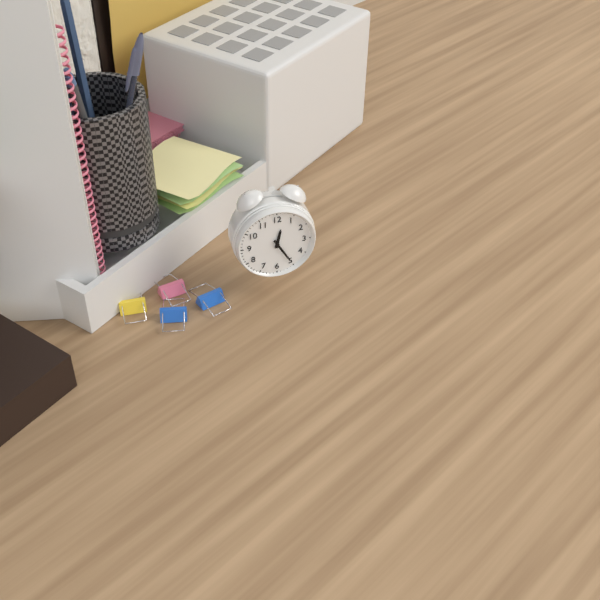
h=12 m=25
